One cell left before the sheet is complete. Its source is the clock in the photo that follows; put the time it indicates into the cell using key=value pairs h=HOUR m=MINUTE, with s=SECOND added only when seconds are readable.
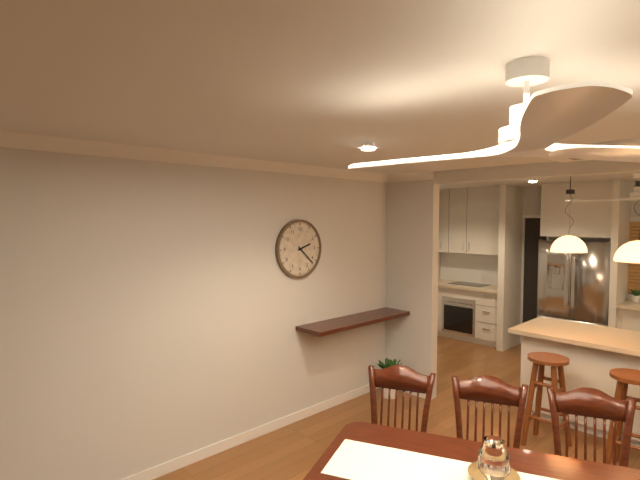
h=2 m=22
